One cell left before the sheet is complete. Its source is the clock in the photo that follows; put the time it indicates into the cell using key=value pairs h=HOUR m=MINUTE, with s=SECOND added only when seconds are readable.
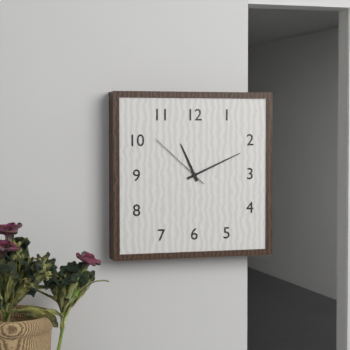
h=11 m=11 s=52
